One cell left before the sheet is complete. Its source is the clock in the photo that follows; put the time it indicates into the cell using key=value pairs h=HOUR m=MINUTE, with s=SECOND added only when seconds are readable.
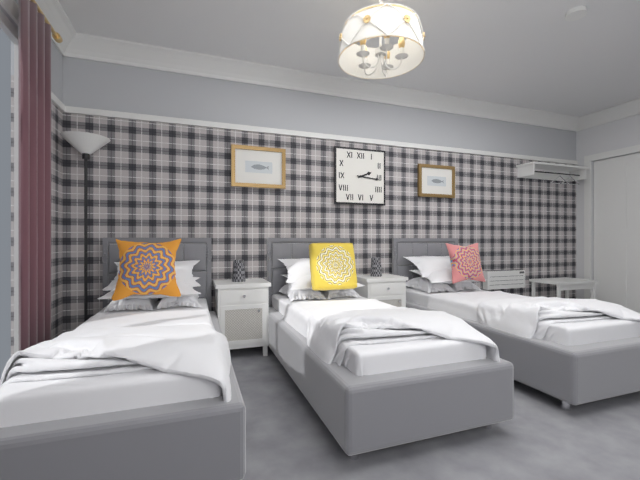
h=2 m=16
